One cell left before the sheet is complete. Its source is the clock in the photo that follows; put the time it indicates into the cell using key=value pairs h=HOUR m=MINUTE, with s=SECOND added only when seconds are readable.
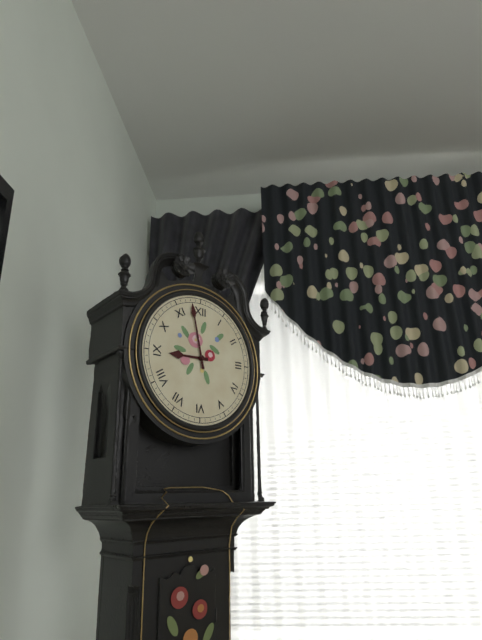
h=8 m=58
